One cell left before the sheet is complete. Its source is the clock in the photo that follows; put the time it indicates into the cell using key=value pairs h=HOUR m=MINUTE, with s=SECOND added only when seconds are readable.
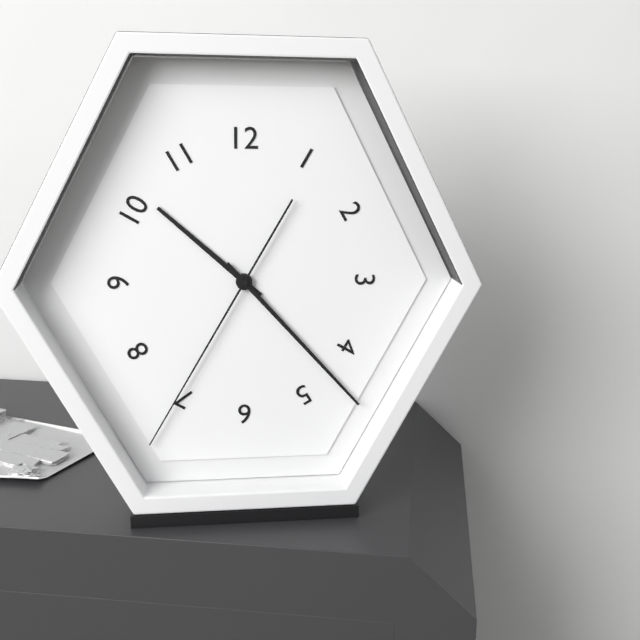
h=10 m=23 s=35
